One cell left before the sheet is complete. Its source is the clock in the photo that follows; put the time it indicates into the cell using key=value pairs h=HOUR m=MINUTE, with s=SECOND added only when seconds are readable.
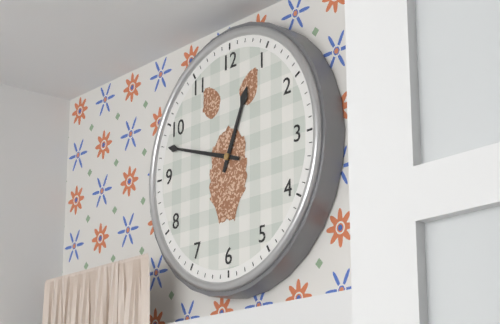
h=12 m=48
